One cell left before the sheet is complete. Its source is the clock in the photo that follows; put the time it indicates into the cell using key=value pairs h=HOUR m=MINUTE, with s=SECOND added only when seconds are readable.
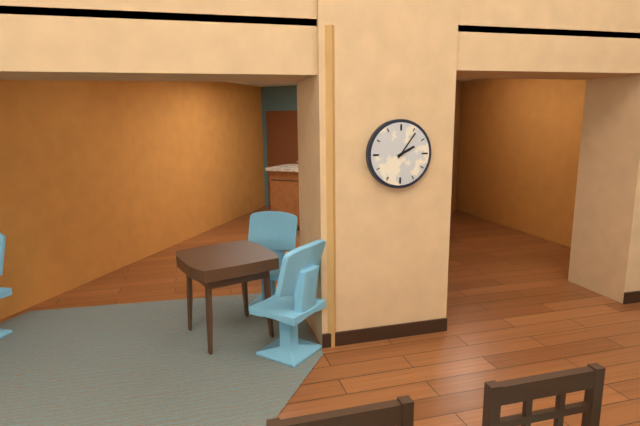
h=2 m=6
